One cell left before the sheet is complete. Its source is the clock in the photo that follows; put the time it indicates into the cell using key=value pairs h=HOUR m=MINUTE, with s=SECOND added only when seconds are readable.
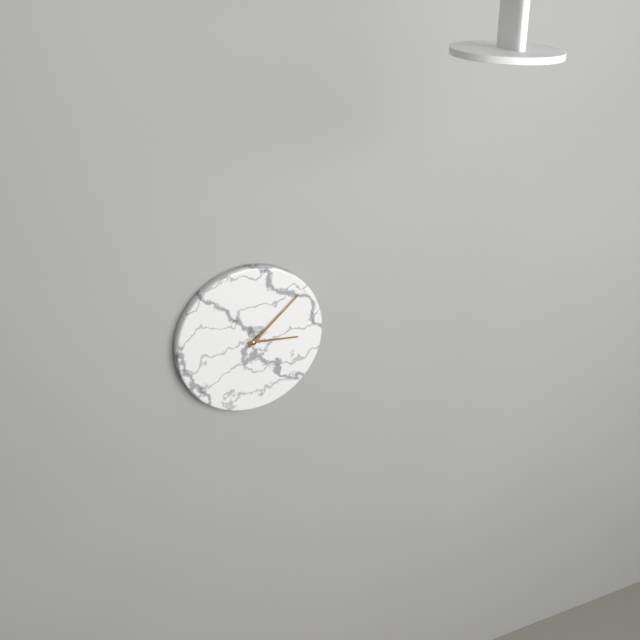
h=3 m=8
